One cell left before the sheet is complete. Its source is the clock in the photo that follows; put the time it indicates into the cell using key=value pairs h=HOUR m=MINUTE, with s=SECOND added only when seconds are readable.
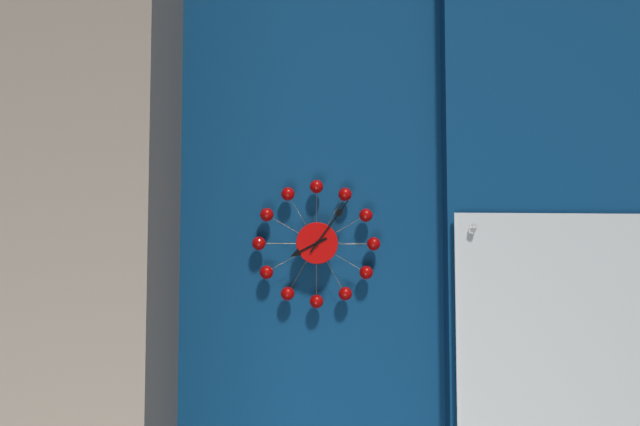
h=8 m=6
